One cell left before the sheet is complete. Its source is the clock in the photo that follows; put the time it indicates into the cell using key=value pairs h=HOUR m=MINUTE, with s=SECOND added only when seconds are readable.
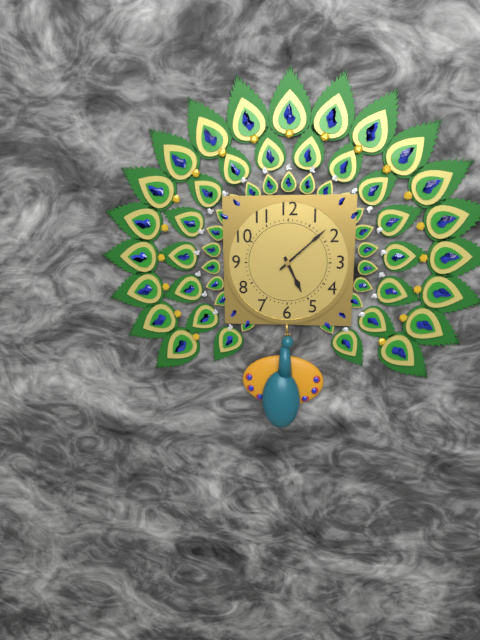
h=5 m=8
